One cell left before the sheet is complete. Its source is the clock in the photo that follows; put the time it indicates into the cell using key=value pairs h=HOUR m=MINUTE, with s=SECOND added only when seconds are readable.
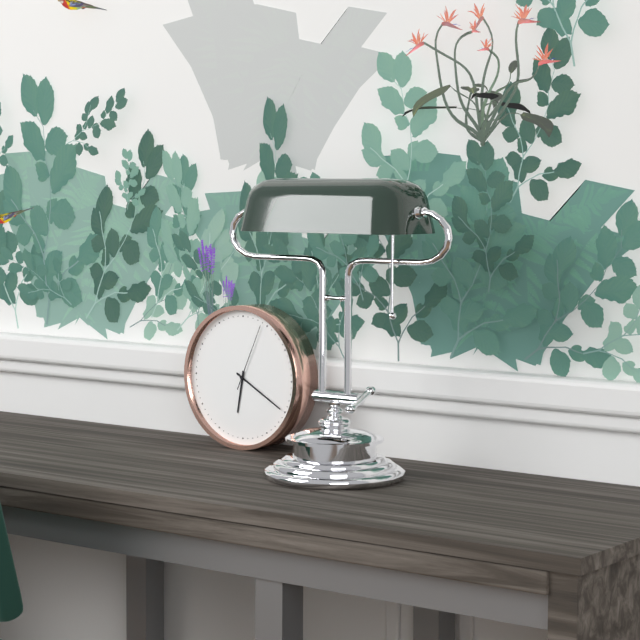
h=6 m=20 s=4
